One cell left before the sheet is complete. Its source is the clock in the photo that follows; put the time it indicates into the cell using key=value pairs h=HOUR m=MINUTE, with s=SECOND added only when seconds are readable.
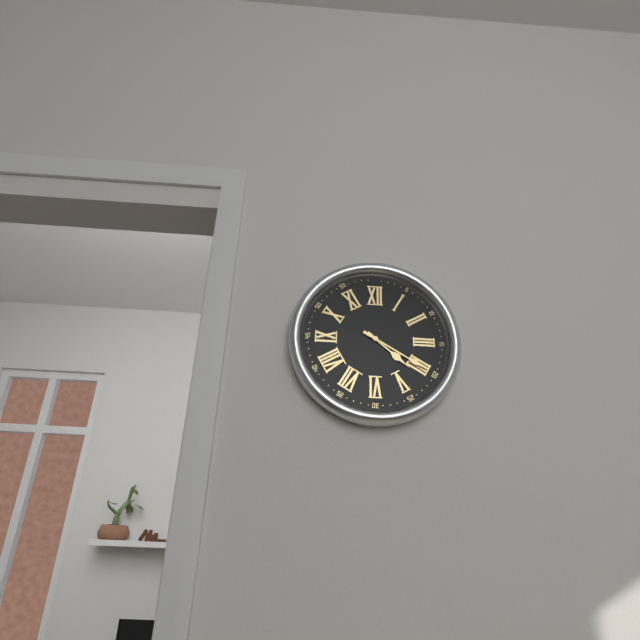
h=4 m=20
